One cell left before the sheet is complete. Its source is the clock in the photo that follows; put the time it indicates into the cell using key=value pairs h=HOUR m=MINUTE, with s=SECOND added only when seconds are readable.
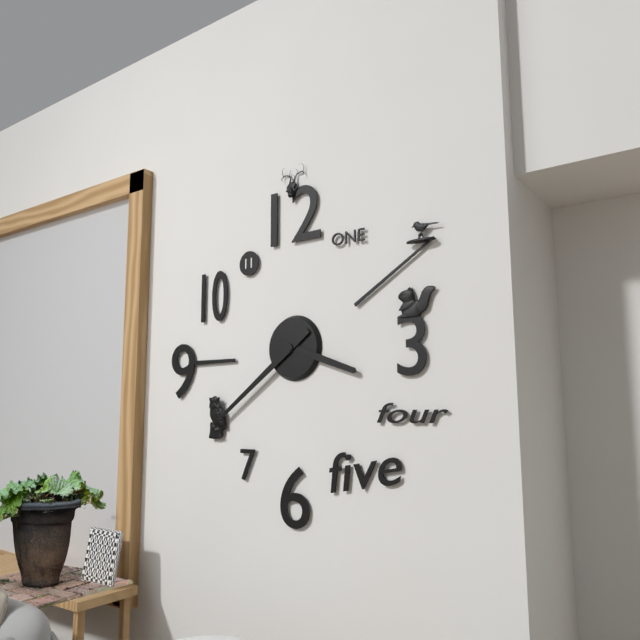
h=3 m=39
